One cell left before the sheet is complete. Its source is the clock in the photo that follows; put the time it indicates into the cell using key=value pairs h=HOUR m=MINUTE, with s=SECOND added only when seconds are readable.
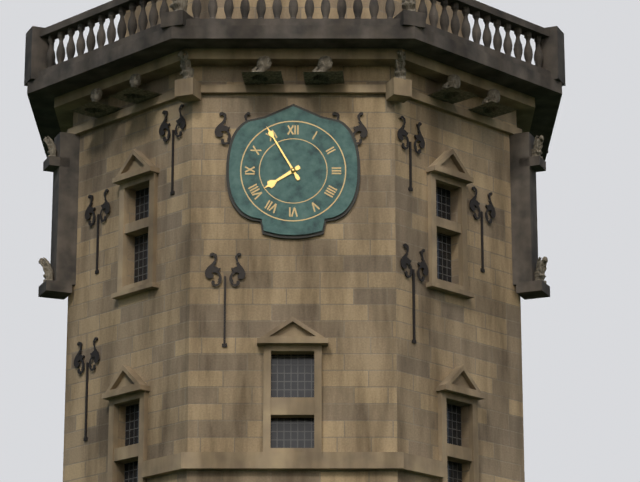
h=7 m=55
